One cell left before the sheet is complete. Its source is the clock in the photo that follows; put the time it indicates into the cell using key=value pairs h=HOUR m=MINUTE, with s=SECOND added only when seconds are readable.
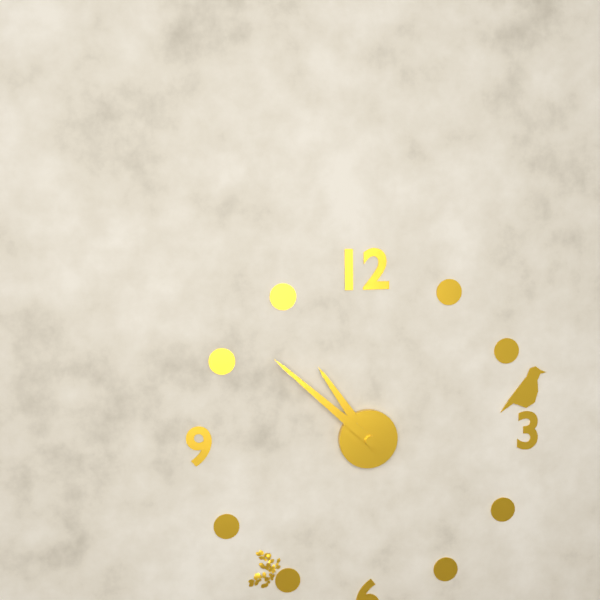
h=10 m=52
